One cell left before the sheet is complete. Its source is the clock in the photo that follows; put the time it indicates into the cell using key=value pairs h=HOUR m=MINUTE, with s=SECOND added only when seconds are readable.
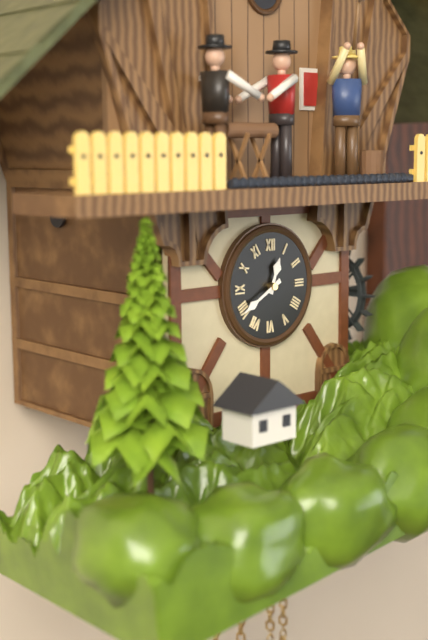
h=12 m=40
